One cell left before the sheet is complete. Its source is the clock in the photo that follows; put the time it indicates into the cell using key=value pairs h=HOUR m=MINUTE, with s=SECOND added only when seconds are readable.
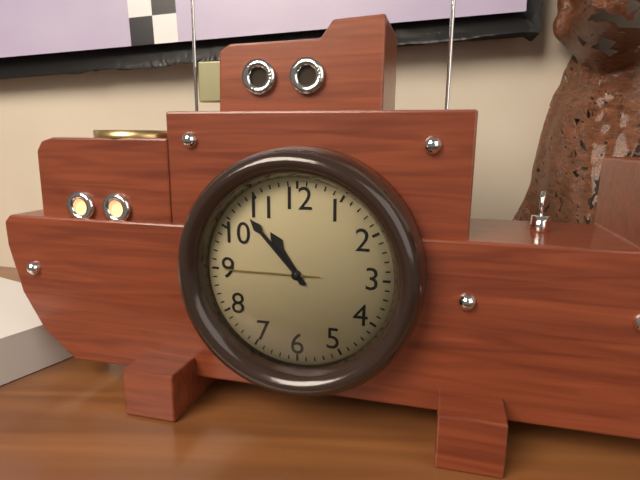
h=10 m=53 s=45
